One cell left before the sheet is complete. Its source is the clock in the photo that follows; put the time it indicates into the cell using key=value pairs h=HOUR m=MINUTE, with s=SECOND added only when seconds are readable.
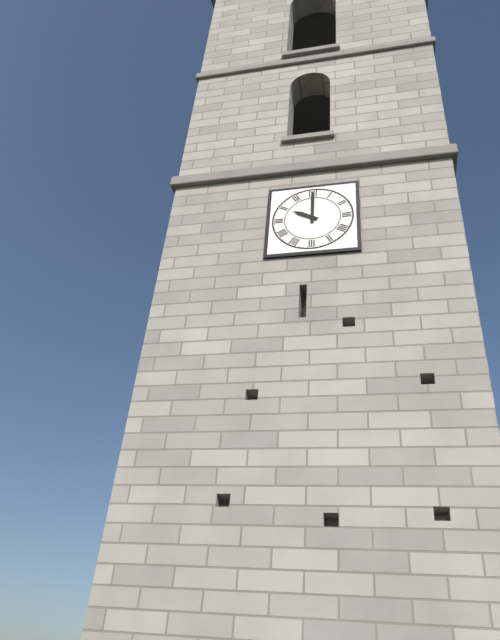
h=10 m=0
